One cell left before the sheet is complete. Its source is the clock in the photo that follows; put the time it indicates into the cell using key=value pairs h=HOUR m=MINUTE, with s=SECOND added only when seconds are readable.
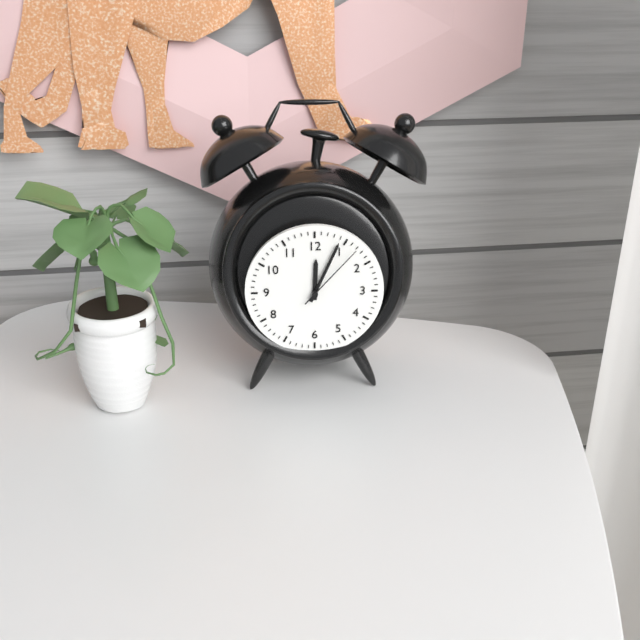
h=12 m=4 s=7
